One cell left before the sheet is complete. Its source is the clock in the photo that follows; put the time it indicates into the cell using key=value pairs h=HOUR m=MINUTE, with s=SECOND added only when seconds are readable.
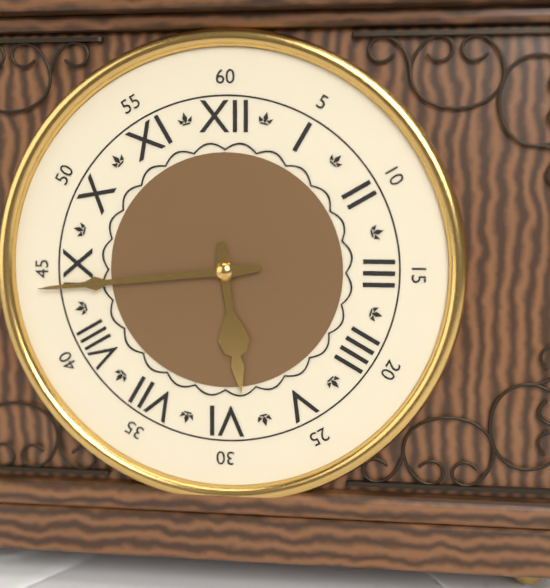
h=5 m=44
